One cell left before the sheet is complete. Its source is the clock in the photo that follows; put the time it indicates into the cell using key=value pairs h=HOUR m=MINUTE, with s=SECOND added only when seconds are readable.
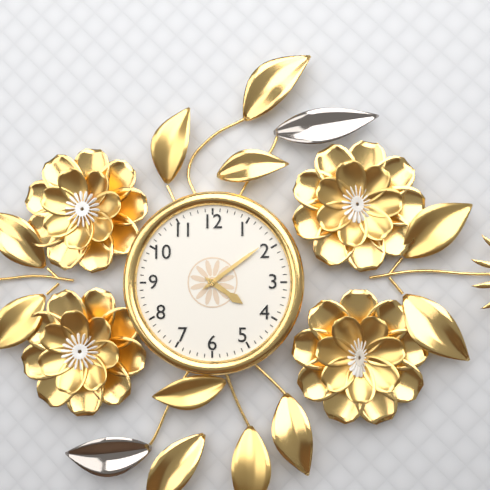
h=4 m=9
